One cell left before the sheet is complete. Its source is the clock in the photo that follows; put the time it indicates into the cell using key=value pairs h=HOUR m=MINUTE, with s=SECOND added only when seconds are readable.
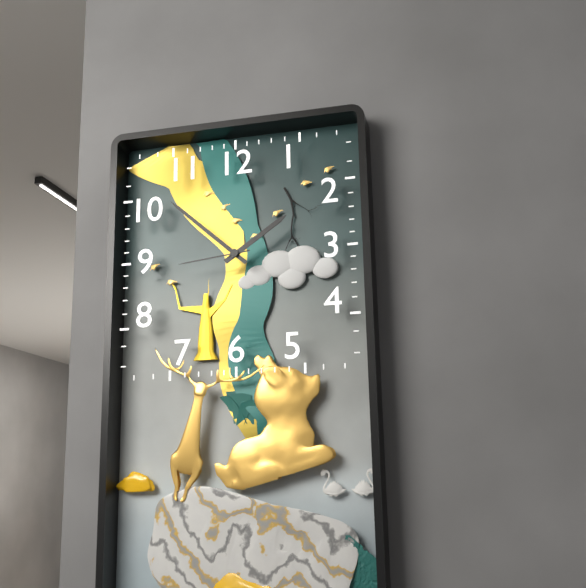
h=1 m=52 s=44
